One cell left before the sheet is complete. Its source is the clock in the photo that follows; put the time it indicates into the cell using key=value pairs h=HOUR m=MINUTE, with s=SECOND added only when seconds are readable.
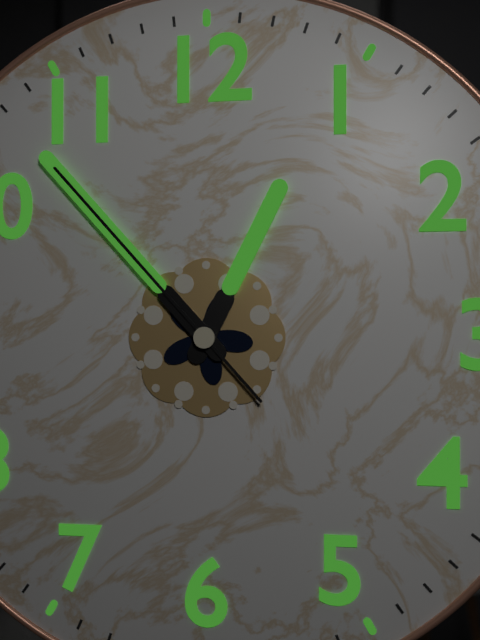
h=12 m=53 s=53
